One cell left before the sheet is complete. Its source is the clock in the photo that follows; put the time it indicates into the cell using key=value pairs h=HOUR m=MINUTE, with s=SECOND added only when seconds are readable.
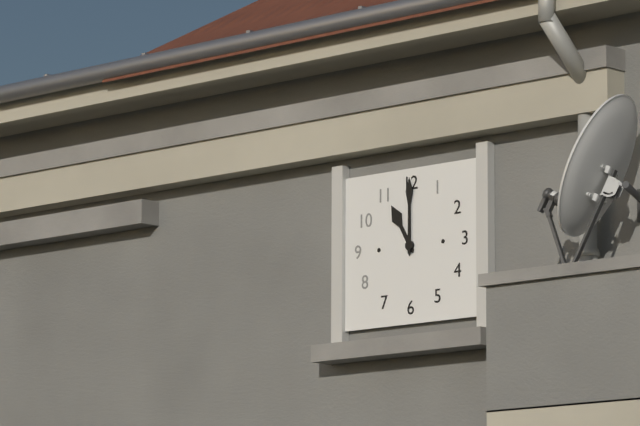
h=11 m=0
